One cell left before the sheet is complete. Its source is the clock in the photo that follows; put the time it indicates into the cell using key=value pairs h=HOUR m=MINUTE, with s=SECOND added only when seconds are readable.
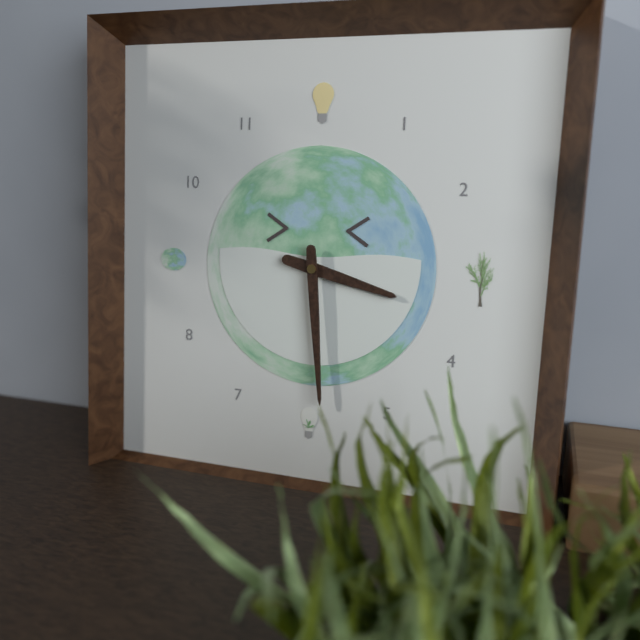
h=3 m=29
